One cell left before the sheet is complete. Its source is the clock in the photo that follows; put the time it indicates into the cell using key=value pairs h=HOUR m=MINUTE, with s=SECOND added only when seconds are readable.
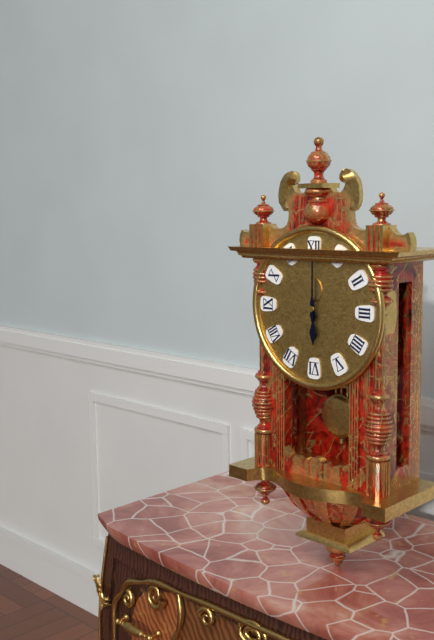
h=6 m=0
